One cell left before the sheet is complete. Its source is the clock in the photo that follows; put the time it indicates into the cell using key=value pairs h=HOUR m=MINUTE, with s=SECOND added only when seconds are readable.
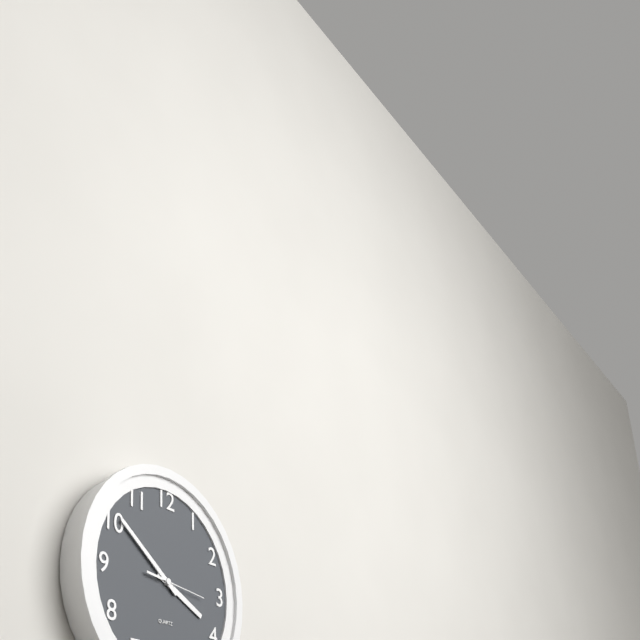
h=3 m=51
